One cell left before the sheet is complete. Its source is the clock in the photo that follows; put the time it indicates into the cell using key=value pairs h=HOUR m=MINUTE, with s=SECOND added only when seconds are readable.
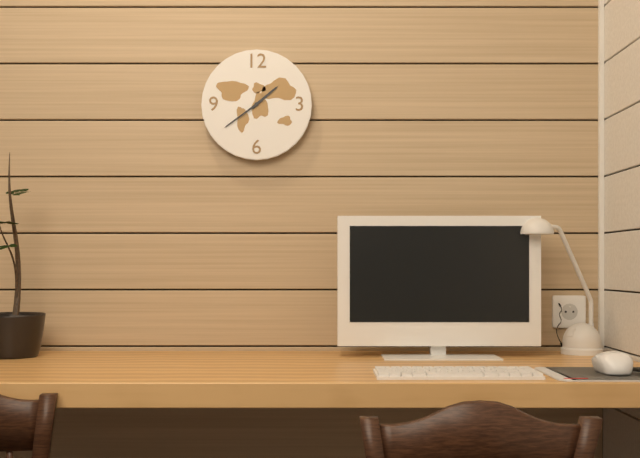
h=1 m=39
